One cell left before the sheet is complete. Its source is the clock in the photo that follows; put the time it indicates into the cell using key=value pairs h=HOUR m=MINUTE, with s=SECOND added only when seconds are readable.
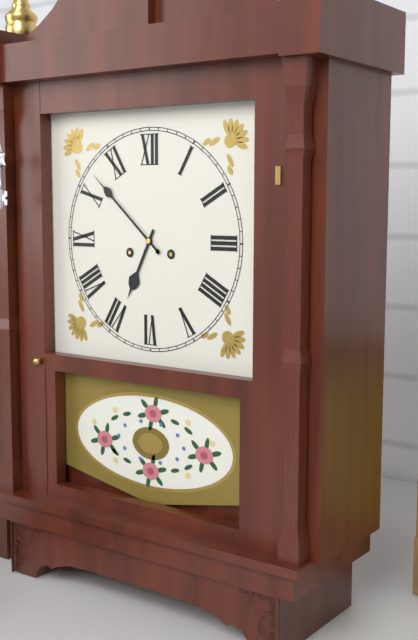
h=6 m=52
